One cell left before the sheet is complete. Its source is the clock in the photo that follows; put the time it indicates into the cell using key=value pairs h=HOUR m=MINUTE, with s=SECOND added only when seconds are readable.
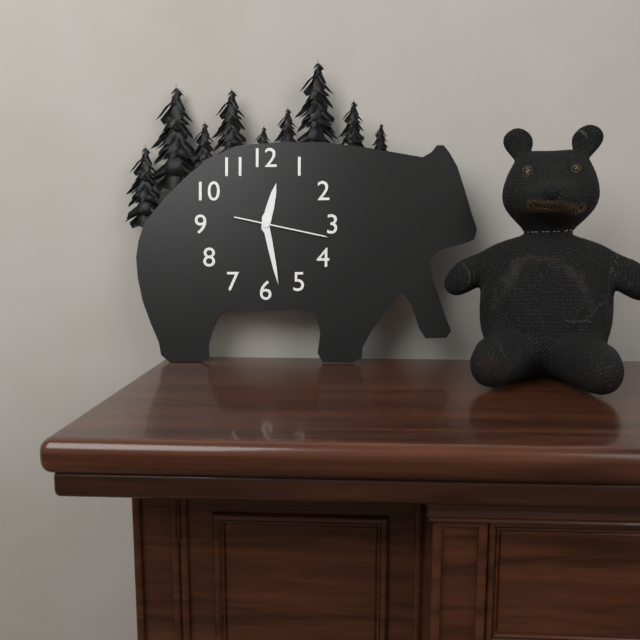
h=12 m=28 s=17
